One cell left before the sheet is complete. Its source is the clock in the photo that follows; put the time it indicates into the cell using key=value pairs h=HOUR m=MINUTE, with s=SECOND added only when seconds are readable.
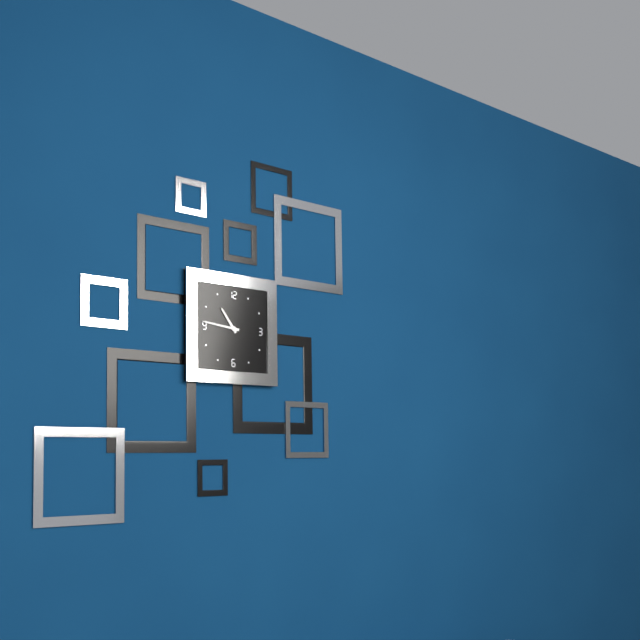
h=10 m=46
